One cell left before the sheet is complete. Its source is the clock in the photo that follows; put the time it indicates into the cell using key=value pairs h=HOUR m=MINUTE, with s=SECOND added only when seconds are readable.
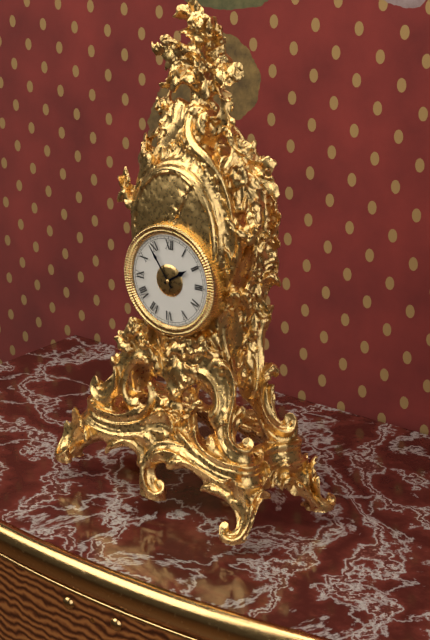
h=1 m=54
